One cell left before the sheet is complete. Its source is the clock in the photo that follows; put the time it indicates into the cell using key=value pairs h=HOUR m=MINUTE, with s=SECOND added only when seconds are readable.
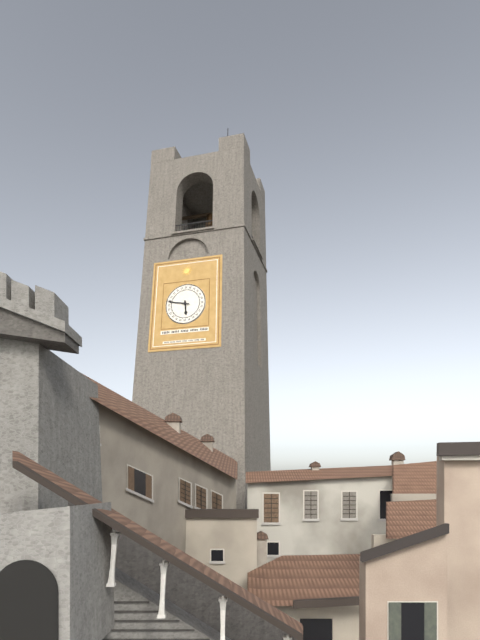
h=5 m=47
